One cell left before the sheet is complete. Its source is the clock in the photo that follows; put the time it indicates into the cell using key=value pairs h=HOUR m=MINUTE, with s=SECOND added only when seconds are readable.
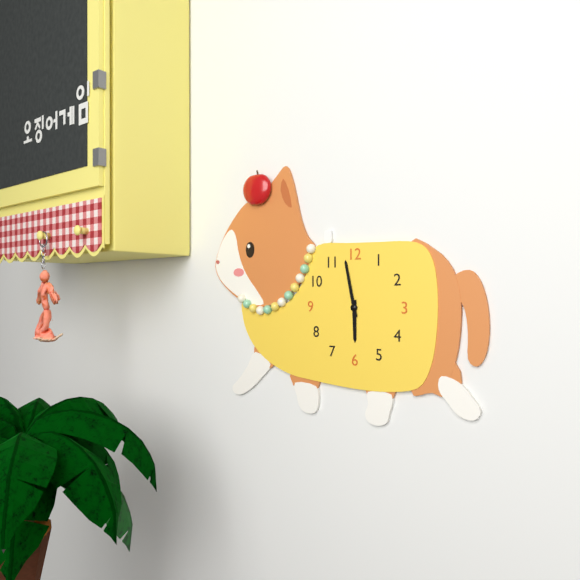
h=5 m=58
